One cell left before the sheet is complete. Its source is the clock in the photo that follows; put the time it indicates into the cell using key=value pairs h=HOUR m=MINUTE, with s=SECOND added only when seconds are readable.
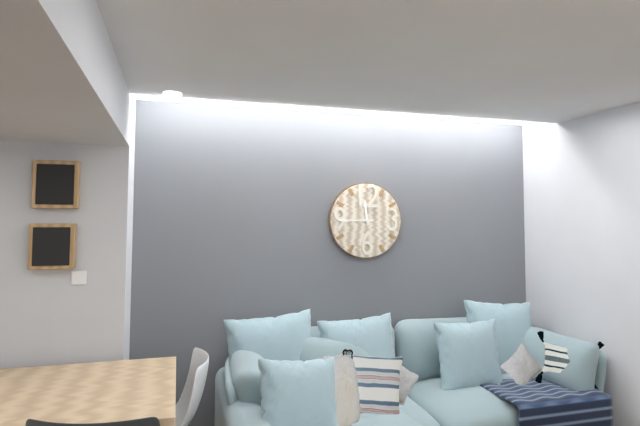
h=11 m=45
